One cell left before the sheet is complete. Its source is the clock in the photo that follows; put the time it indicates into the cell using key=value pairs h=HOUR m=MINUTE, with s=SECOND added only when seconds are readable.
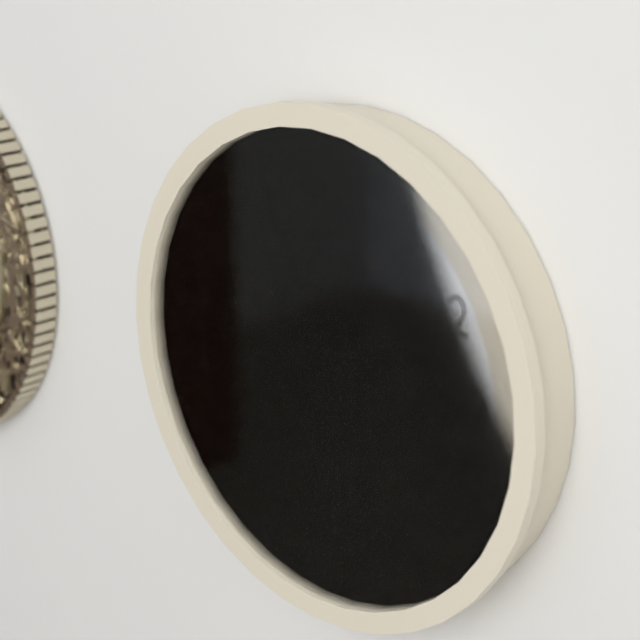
h=2 m=47 s=4
